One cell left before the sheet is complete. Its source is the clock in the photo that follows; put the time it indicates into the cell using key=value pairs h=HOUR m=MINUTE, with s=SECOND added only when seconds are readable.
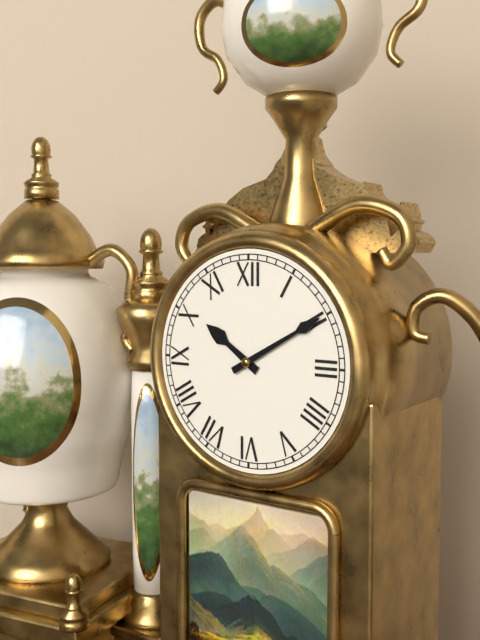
h=10 m=10
